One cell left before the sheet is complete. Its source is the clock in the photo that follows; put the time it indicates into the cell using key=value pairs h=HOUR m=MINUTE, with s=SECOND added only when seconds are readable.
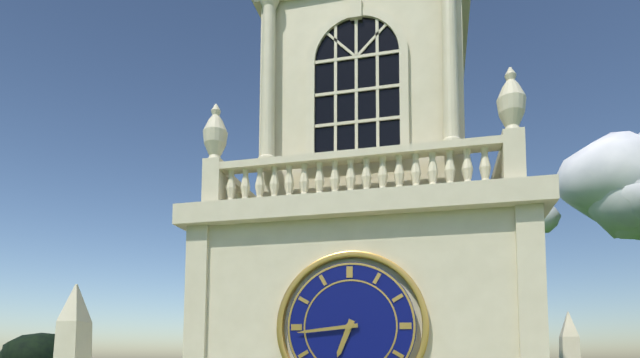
h=6 m=44
